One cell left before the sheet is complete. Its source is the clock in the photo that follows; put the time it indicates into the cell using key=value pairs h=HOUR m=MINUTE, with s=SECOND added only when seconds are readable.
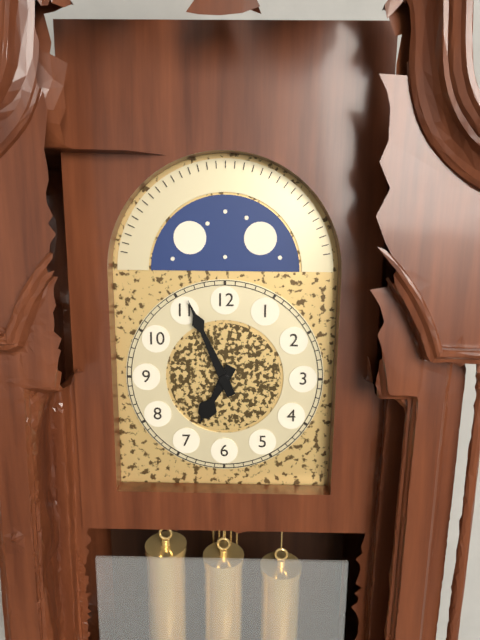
h=6 m=56
